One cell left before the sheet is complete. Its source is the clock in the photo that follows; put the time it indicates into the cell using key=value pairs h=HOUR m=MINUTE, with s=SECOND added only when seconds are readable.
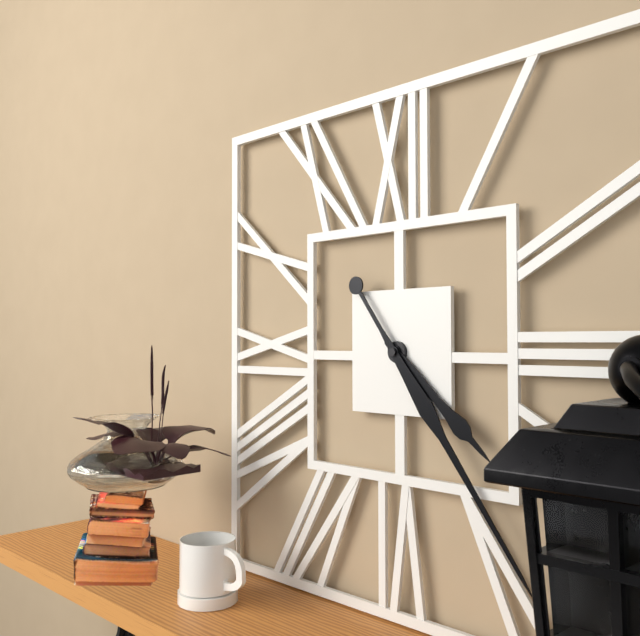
h=4 m=24
